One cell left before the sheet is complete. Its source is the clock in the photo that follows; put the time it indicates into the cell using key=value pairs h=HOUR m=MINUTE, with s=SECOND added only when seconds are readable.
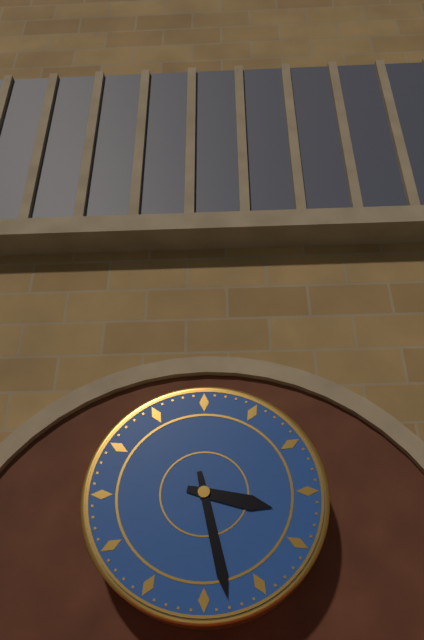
h=3 m=28
